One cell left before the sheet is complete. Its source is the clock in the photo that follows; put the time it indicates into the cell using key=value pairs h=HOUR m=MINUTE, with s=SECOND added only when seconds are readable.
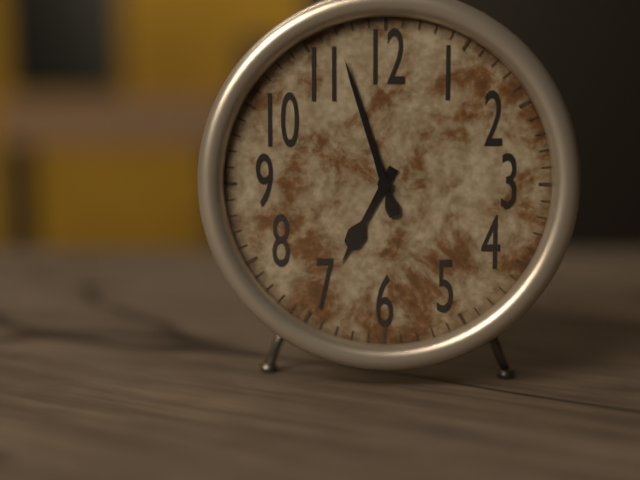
h=6 m=57
